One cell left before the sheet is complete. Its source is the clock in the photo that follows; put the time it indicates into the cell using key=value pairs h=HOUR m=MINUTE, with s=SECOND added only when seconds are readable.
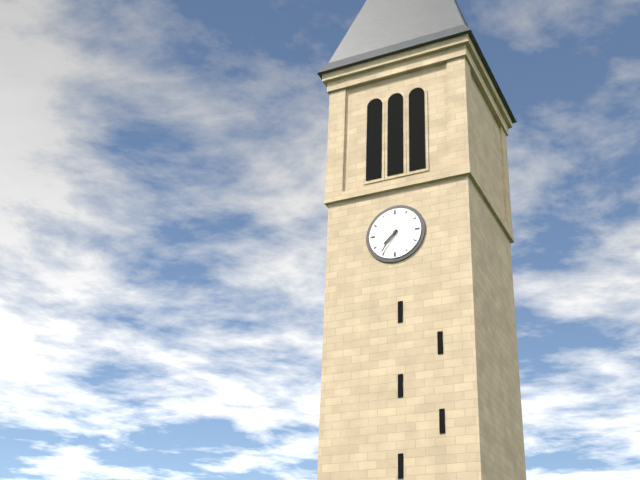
h=7 m=36
